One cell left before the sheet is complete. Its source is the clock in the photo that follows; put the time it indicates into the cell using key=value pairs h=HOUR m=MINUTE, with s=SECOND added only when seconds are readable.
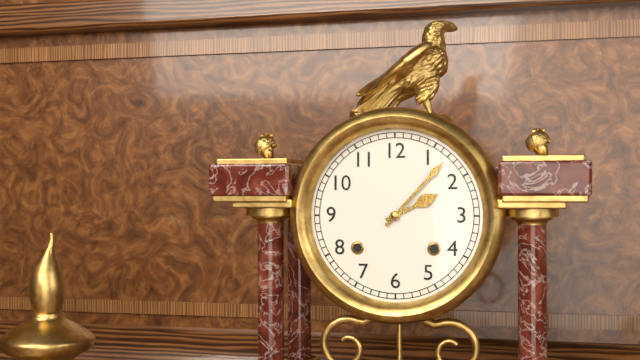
h=2 m=7
